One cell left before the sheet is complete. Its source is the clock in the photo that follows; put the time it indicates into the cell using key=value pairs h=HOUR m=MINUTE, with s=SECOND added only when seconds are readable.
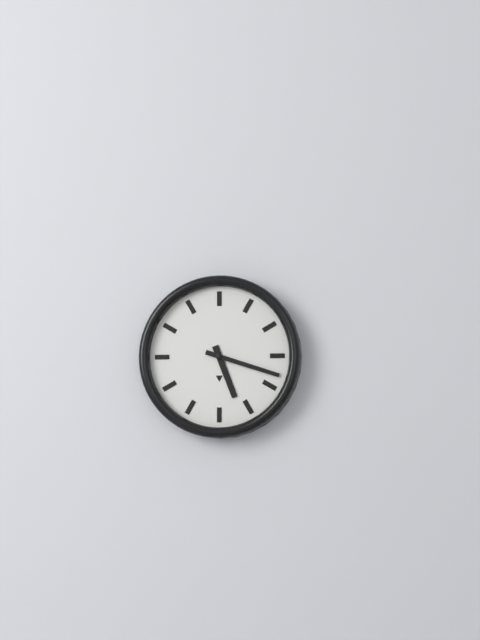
h=5 m=18
